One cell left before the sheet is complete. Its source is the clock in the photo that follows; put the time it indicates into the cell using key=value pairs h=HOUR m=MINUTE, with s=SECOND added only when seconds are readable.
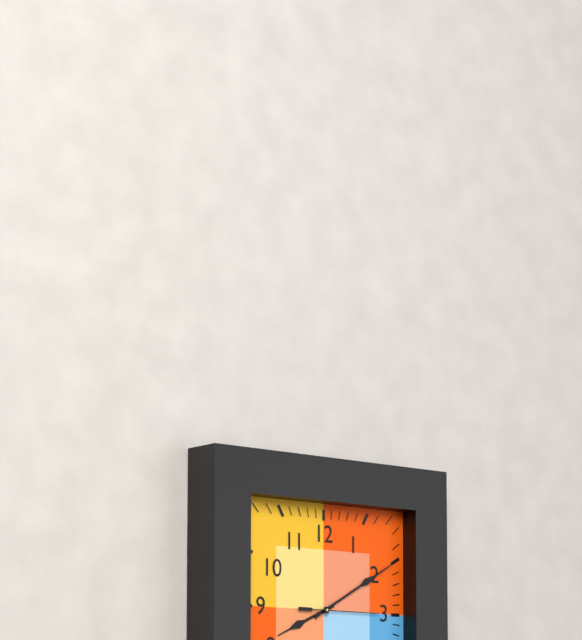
h=8 m=10 s=15
